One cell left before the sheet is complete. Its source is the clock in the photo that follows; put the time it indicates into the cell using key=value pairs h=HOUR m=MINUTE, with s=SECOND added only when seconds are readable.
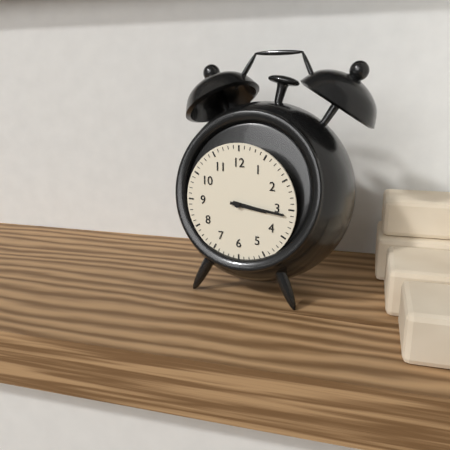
h=3 m=16
